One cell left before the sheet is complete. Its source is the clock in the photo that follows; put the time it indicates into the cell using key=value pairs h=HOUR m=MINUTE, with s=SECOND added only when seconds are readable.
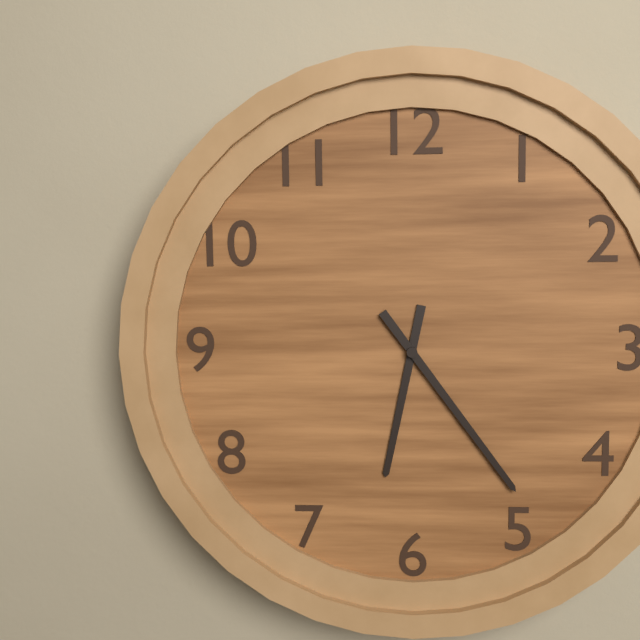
h=6 m=24
